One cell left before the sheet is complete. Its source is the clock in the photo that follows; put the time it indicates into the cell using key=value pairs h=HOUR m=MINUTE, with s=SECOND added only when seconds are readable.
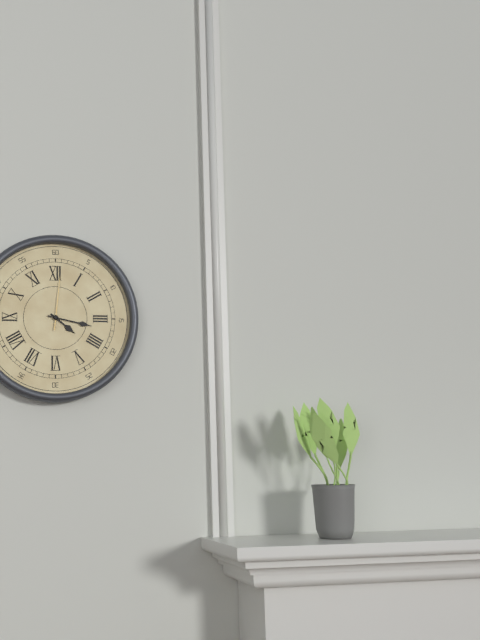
h=4 m=17 s=1
